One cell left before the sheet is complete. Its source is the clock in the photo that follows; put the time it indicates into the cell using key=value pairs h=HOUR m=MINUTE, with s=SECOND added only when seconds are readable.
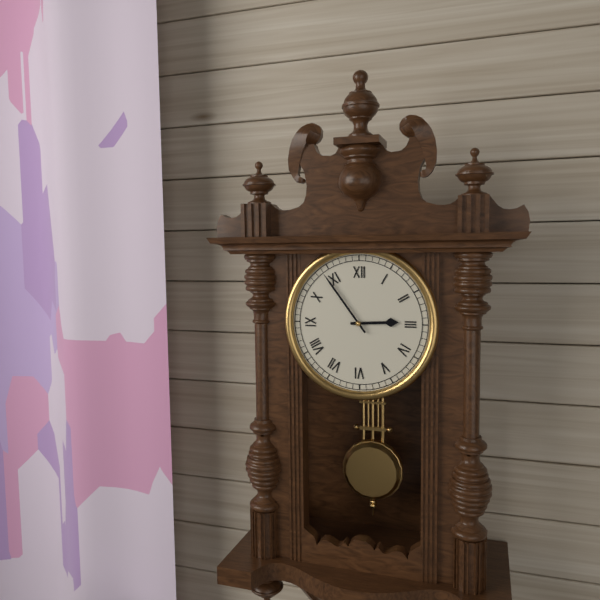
h=2 m=54
